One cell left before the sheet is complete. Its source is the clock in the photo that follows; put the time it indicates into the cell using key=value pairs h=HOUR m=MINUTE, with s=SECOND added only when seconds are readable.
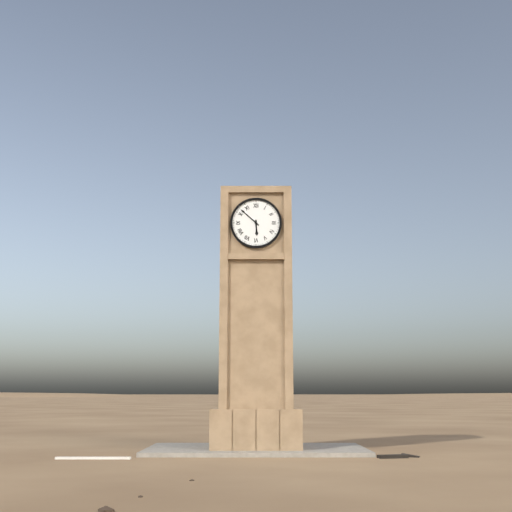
h=5 m=52
